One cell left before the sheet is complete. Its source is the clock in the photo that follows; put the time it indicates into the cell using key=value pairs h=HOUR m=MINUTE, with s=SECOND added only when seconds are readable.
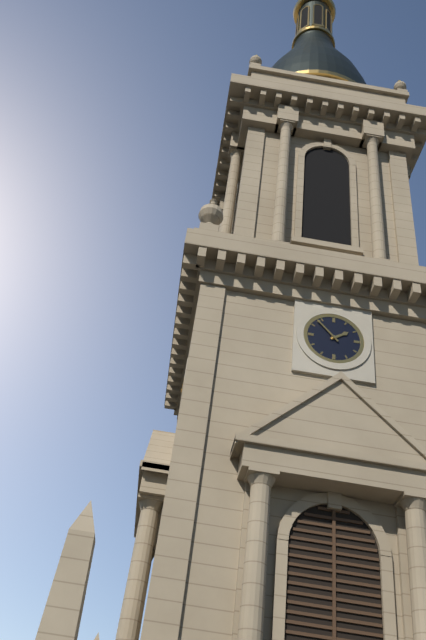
h=1 m=53
